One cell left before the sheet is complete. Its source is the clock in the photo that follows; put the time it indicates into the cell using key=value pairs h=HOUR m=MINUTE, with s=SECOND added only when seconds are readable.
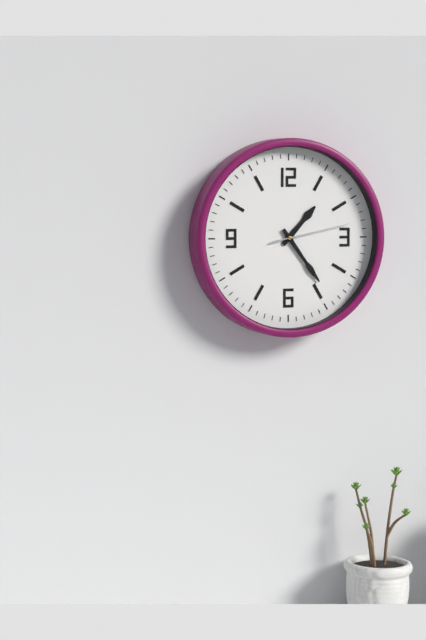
h=1 m=24 s=13
